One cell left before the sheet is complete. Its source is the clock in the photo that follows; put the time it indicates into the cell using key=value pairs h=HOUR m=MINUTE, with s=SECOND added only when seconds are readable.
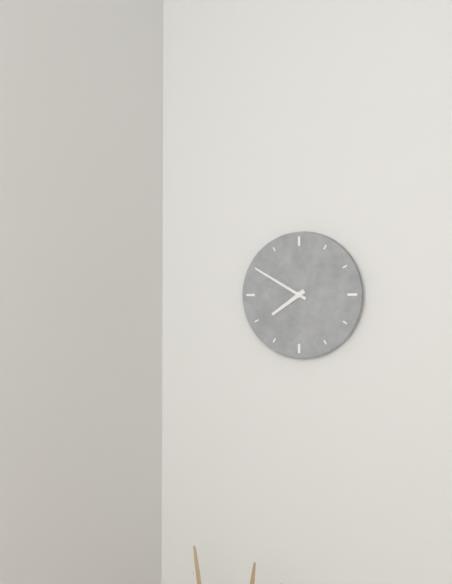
h=7 m=50
